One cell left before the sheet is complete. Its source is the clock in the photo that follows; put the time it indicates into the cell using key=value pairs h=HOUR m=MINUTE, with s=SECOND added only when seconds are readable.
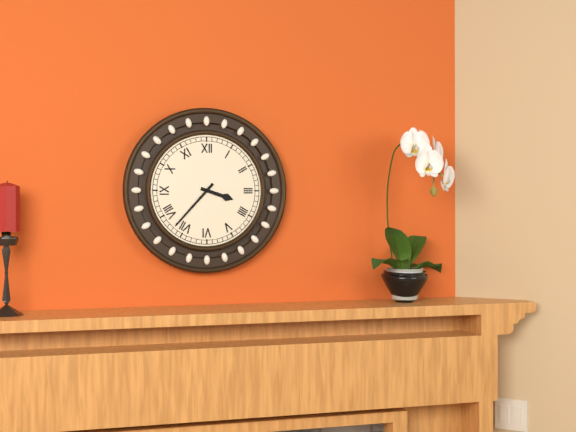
h=3 m=37
